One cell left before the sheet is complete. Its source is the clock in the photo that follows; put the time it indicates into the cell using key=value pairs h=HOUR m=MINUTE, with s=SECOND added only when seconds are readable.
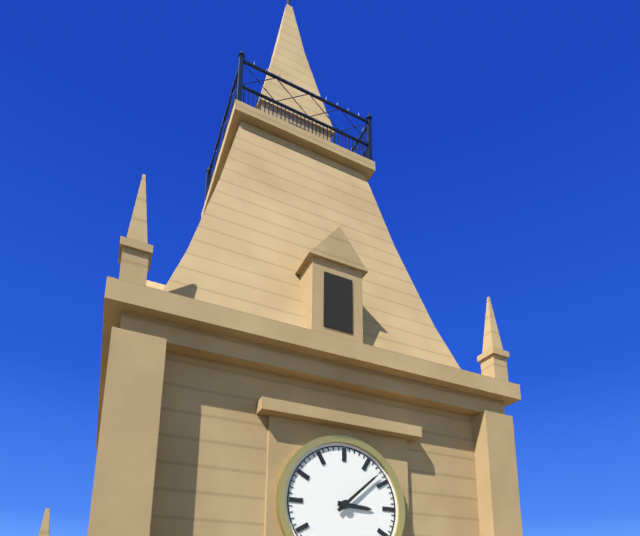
h=3 m=8
